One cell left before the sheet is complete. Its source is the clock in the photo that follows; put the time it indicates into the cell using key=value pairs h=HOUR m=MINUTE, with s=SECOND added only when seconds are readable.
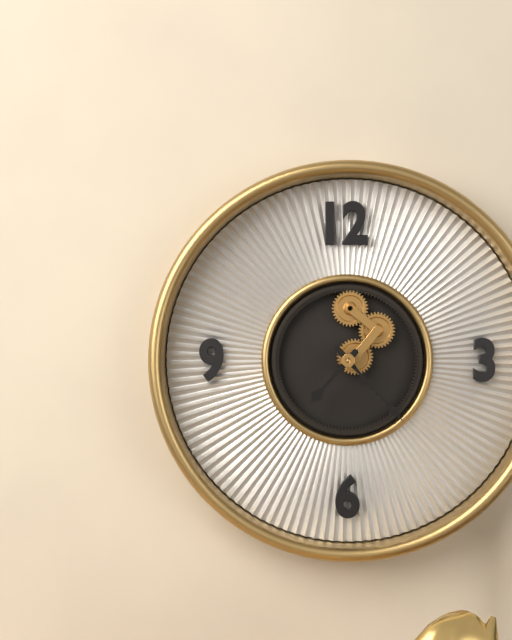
h=7 m=23
